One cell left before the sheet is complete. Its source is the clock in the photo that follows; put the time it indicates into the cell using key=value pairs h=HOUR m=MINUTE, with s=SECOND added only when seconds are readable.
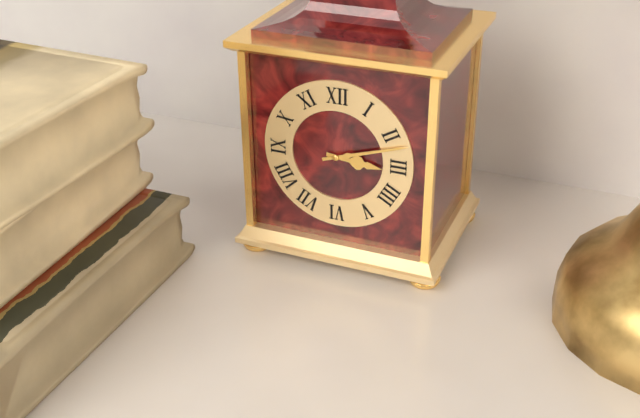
h=3 m=12
